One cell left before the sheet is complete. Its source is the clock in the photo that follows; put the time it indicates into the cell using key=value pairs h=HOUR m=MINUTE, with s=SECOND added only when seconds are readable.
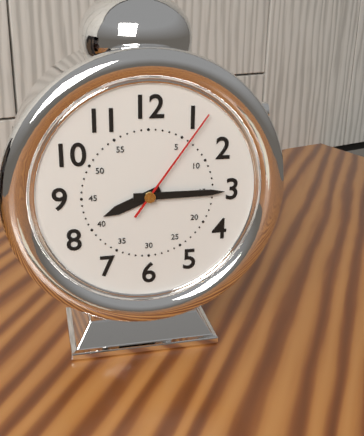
h=8 m=15 s=6
